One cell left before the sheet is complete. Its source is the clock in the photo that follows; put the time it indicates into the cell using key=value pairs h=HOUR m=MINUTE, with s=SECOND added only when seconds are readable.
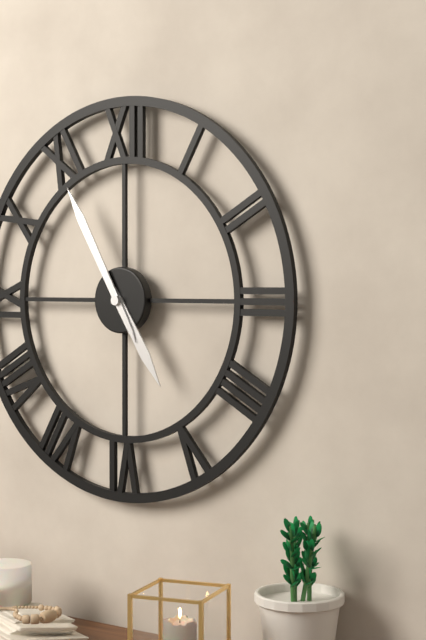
h=4 m=55
